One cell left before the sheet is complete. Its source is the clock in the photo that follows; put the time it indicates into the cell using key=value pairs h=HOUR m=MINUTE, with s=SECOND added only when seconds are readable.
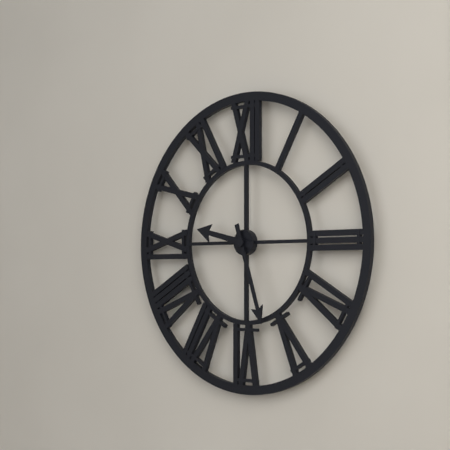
h=9 m=27
